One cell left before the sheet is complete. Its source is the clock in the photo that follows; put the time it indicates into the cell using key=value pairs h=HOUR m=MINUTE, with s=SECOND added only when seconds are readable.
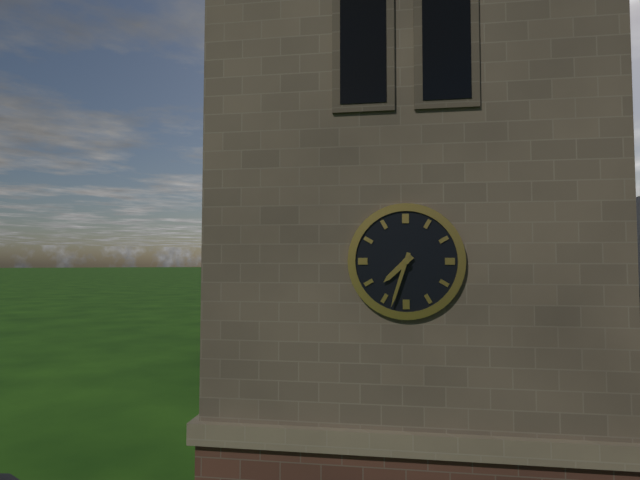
h=7 m=33
